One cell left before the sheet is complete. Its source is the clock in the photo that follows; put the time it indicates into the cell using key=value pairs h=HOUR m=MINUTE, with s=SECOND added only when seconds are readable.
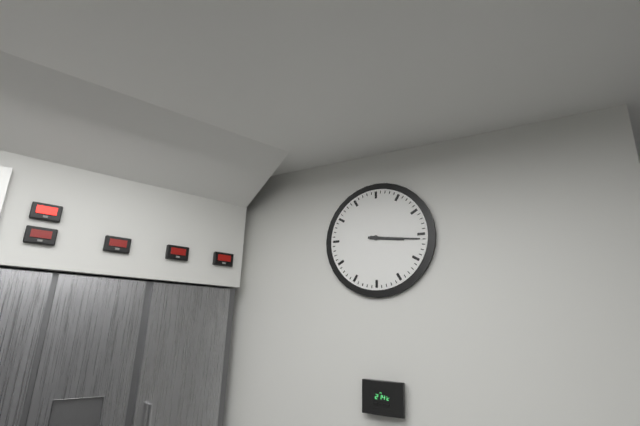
h=3 m=16
